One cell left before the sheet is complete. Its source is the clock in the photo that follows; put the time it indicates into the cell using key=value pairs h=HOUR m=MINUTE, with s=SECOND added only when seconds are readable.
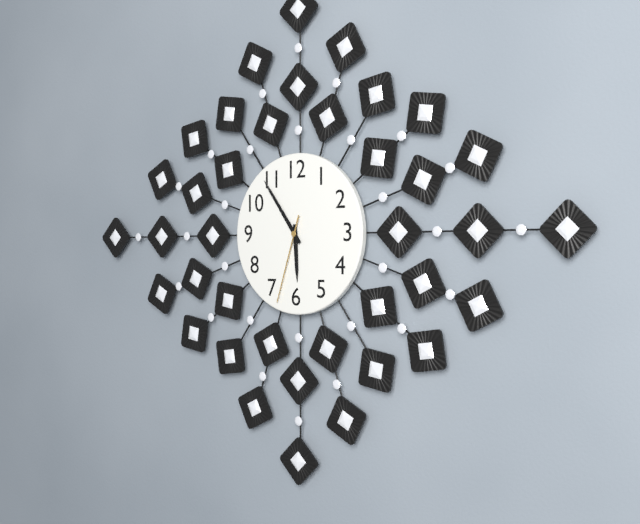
h=5 m=54 s=33
